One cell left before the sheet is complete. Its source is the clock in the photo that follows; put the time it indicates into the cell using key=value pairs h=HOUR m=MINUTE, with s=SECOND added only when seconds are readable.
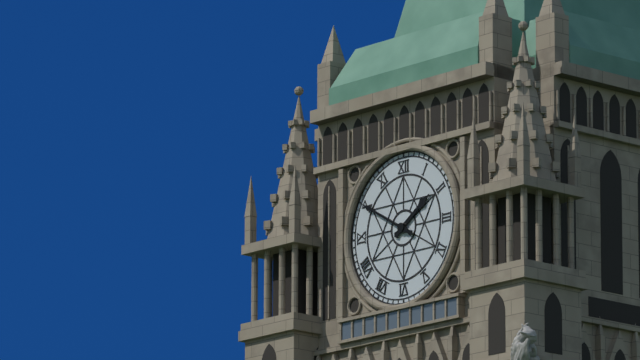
h=1 m=50
